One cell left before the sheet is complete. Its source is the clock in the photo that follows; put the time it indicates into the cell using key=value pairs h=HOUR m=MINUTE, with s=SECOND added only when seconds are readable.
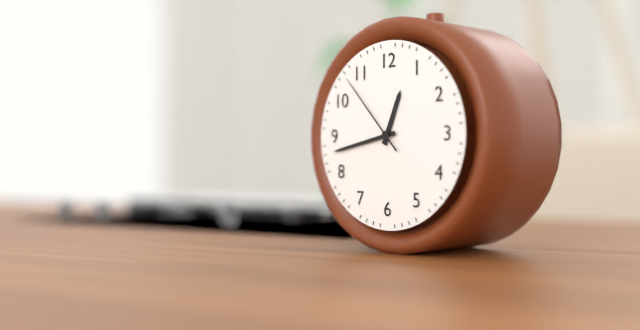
h=12 m=43 s=53
